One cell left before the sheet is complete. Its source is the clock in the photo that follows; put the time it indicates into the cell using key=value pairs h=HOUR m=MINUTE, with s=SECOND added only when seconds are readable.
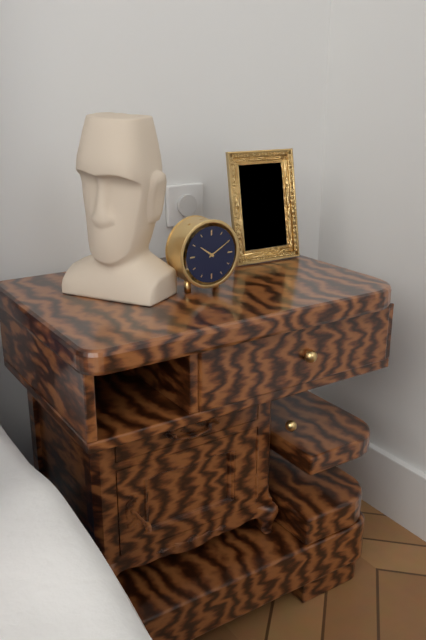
h=10 m=10
